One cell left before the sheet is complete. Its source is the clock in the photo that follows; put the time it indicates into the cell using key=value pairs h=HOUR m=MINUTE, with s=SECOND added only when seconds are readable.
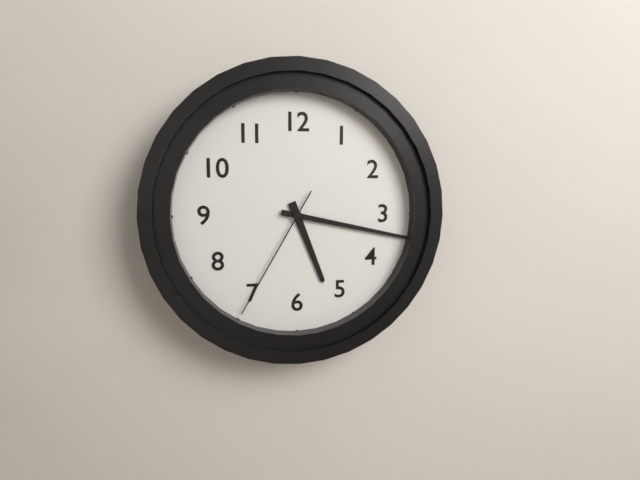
h=5 m=17 s=35
